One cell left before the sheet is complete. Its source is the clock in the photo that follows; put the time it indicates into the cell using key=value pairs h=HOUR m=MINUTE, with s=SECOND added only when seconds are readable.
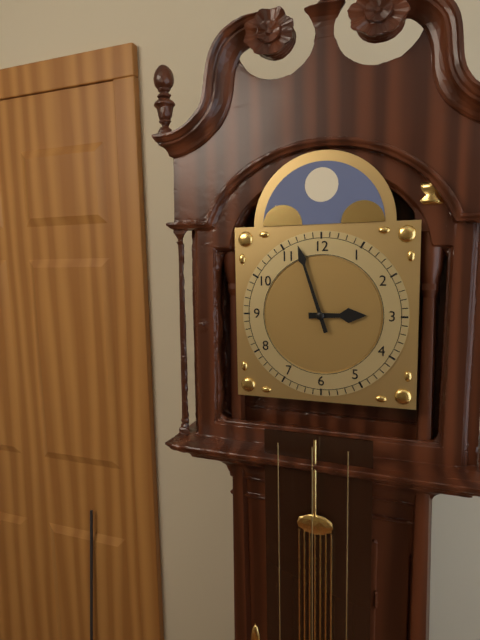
h=2 m=57
